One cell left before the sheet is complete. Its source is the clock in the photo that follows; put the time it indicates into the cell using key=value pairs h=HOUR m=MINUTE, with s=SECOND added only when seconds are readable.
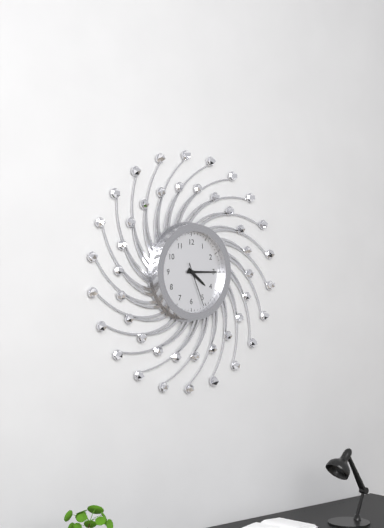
h=4 m=15
